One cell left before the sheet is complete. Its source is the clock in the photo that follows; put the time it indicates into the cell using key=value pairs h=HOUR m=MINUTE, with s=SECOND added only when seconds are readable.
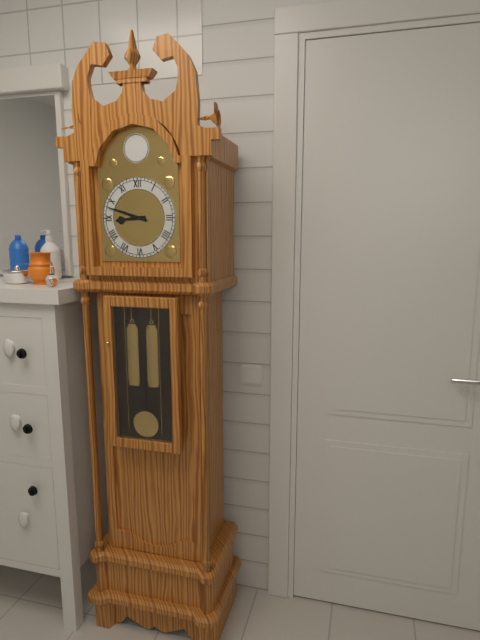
h=8 m=48
